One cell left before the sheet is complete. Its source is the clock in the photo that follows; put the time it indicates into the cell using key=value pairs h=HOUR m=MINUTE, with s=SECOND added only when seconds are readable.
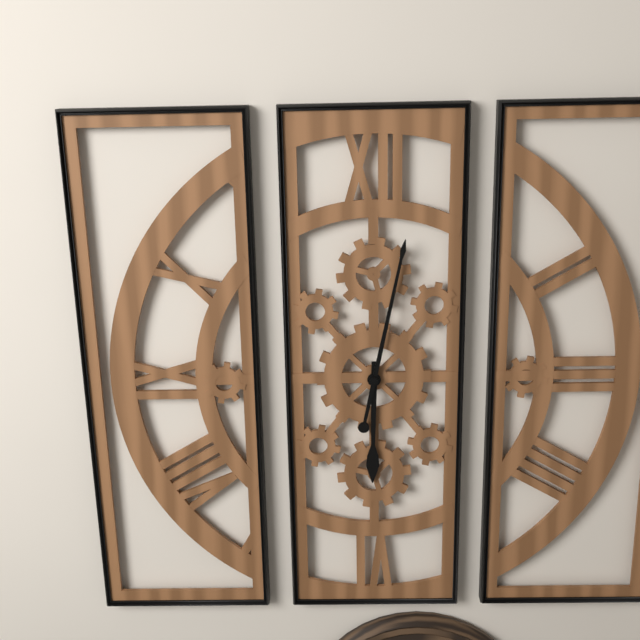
h=6 m=2
